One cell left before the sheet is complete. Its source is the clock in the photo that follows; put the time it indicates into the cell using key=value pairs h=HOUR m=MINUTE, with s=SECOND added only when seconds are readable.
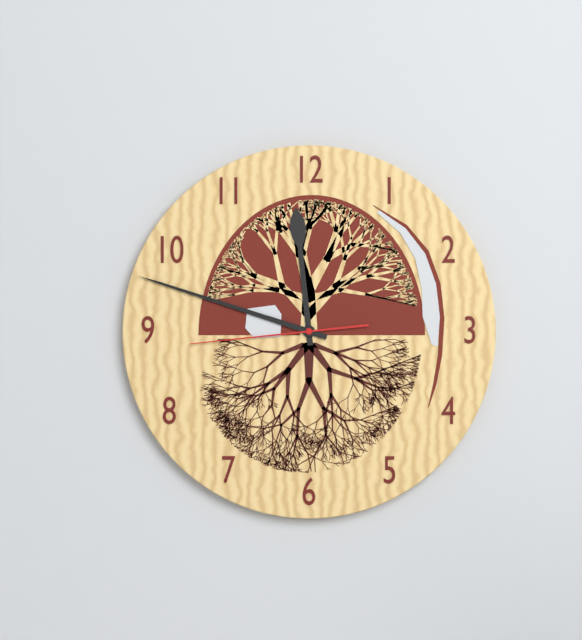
h=11 m=48 s=44
